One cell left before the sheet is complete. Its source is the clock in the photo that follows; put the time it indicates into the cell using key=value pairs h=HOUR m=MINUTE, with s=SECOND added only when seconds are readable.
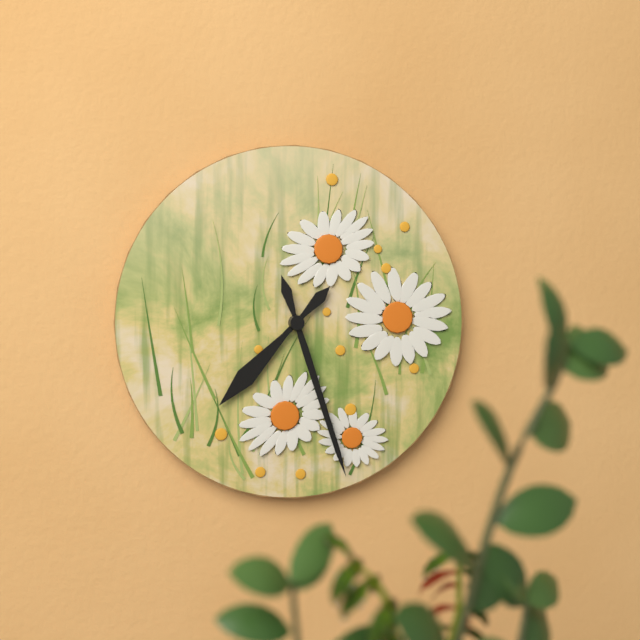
h=7 m=27
